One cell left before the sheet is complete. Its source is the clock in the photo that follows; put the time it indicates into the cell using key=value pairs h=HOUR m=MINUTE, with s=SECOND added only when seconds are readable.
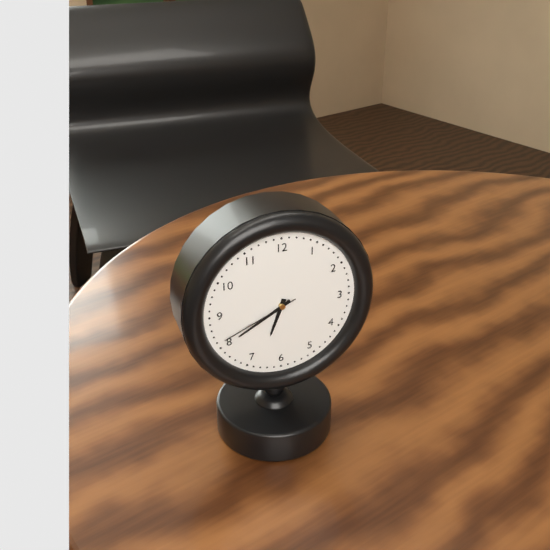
h=6 m=40 s=41
